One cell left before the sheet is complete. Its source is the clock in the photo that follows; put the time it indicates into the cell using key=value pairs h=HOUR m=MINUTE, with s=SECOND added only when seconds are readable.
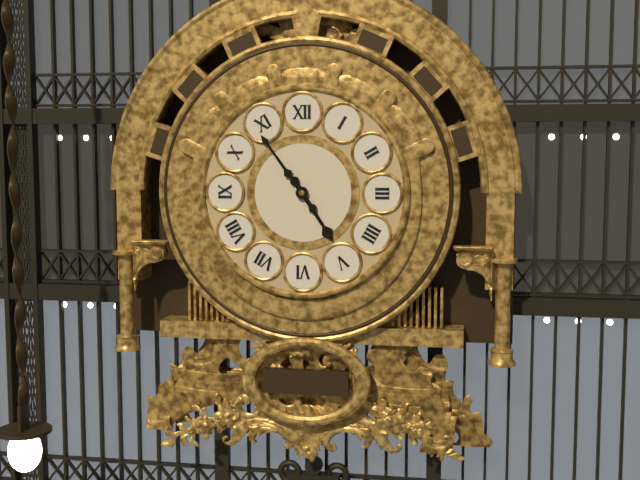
h=4 m=54
